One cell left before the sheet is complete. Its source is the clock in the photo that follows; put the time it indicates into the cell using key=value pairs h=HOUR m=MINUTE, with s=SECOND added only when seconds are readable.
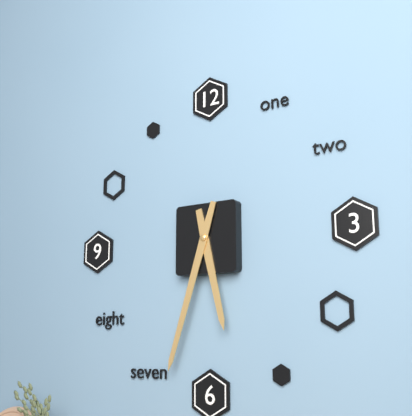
h=5 m=33
